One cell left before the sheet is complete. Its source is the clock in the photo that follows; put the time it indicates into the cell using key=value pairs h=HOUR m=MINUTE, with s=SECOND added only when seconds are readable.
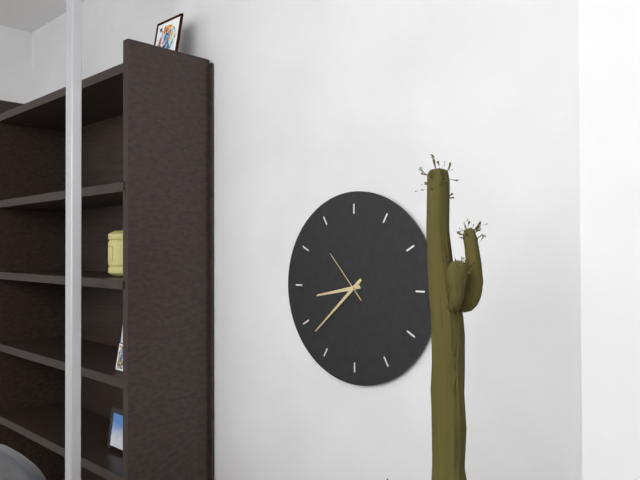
h=8 m=38 s=53
